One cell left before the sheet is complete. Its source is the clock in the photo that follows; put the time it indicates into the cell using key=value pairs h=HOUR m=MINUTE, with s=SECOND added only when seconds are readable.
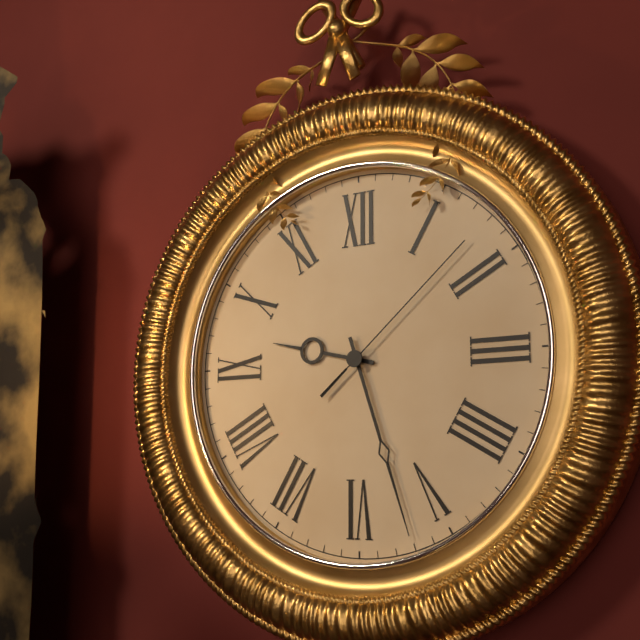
h=9 m=27 s=8
